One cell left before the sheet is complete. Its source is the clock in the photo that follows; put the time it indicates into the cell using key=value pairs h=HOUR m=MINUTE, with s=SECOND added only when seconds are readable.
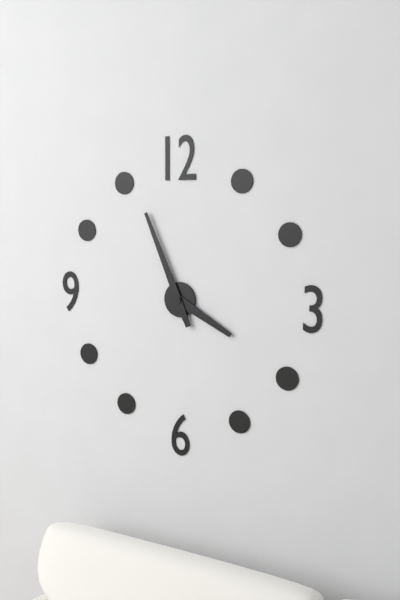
h=3 m=56
